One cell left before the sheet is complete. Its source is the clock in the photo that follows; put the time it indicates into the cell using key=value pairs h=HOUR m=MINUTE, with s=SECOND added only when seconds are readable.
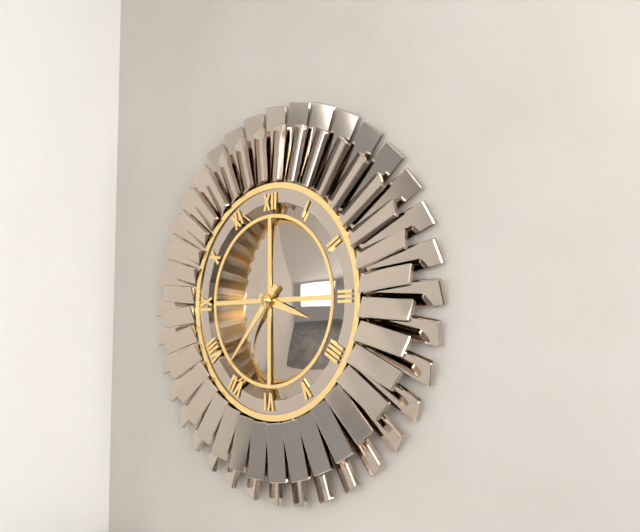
h=3 m=37
